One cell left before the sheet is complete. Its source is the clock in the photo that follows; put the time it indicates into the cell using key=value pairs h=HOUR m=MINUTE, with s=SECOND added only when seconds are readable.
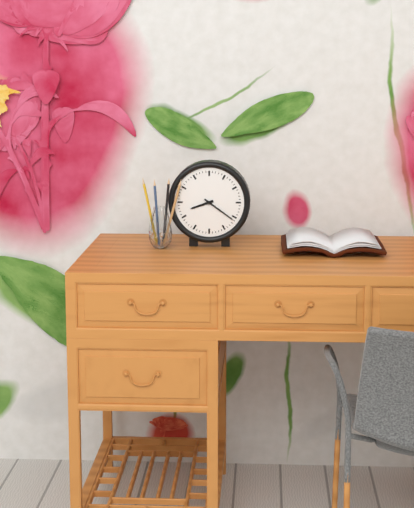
h=8 m=21
